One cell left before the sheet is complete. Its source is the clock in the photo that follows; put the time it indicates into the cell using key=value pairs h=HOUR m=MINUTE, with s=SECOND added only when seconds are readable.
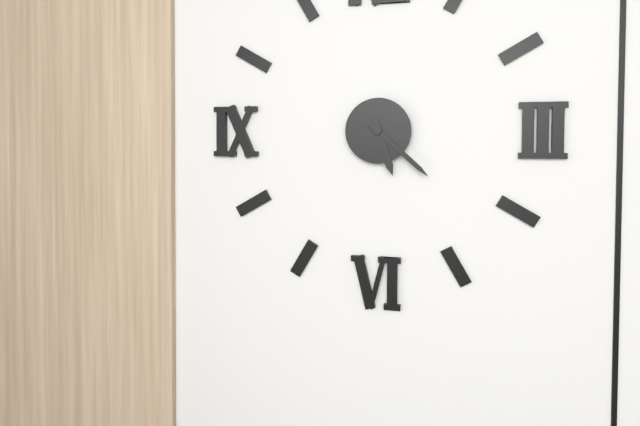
h=5 m=22
